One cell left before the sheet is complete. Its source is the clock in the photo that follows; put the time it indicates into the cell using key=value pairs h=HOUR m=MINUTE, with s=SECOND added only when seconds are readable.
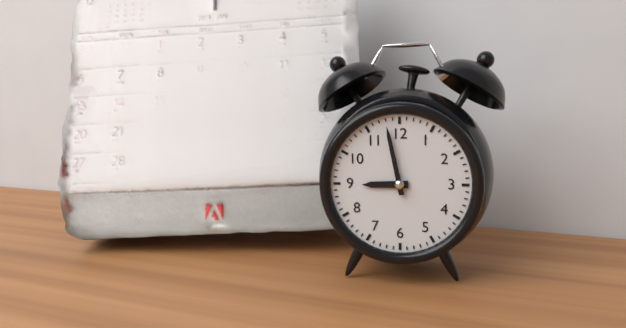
h=8 m=58
